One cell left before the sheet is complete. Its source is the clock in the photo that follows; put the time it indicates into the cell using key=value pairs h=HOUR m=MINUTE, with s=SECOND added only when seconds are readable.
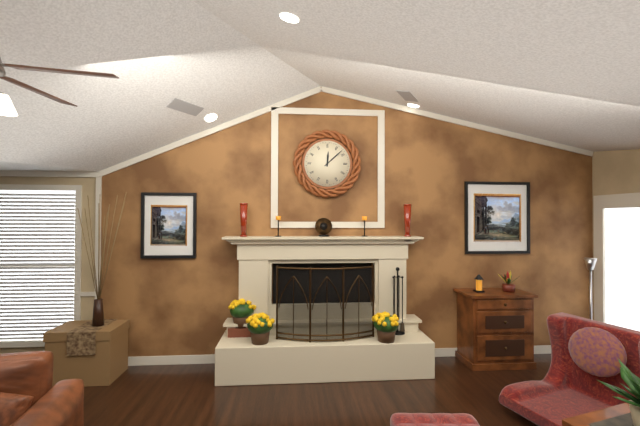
h=12 m=8
